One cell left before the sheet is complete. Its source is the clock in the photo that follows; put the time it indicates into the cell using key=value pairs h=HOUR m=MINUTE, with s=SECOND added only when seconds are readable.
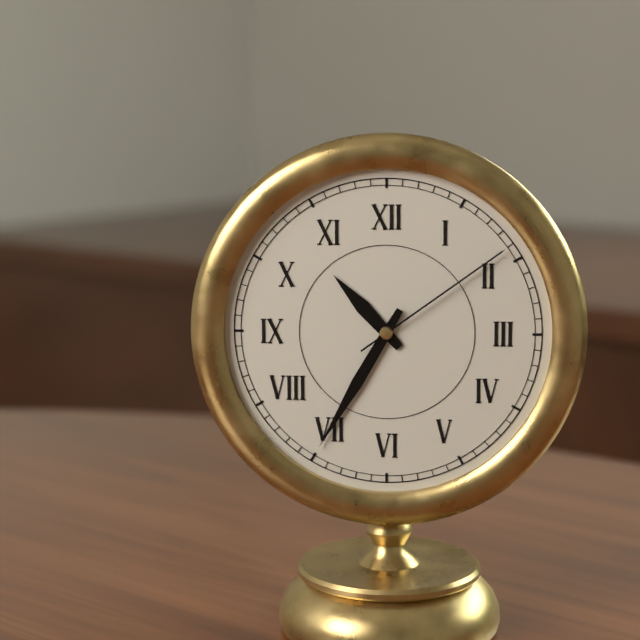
h=10 m=35 s=9
